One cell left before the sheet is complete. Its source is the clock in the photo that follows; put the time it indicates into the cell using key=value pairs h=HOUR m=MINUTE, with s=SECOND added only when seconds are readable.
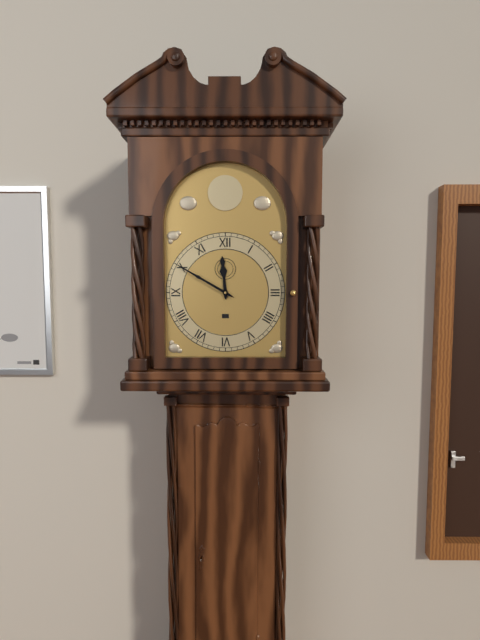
h=11 m=50
